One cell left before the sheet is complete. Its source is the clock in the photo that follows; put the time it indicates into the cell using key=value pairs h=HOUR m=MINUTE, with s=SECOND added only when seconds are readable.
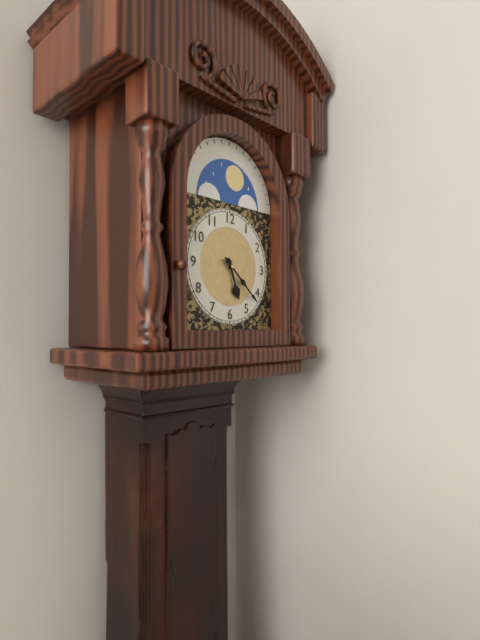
h=5 m=22
